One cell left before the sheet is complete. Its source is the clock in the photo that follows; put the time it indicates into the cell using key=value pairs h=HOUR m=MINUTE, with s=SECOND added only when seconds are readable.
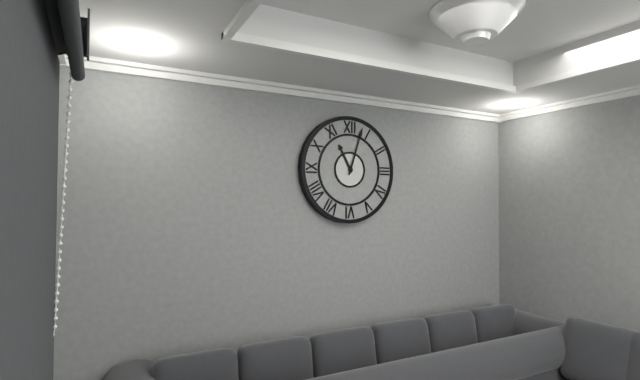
h=11 m=3
